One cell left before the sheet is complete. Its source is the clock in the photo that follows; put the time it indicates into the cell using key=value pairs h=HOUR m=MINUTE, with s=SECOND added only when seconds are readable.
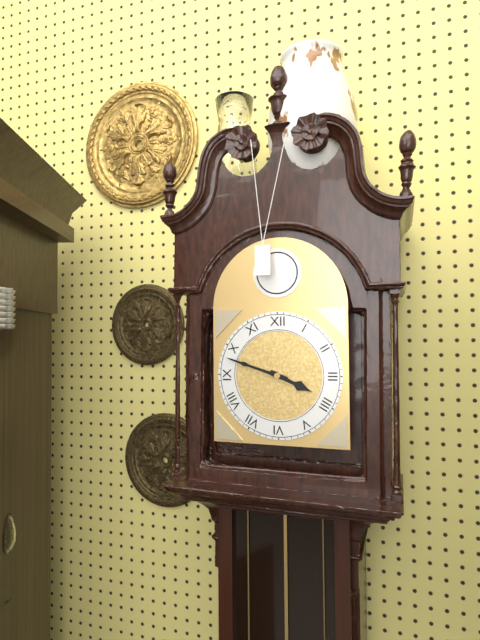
h=3 m=48
